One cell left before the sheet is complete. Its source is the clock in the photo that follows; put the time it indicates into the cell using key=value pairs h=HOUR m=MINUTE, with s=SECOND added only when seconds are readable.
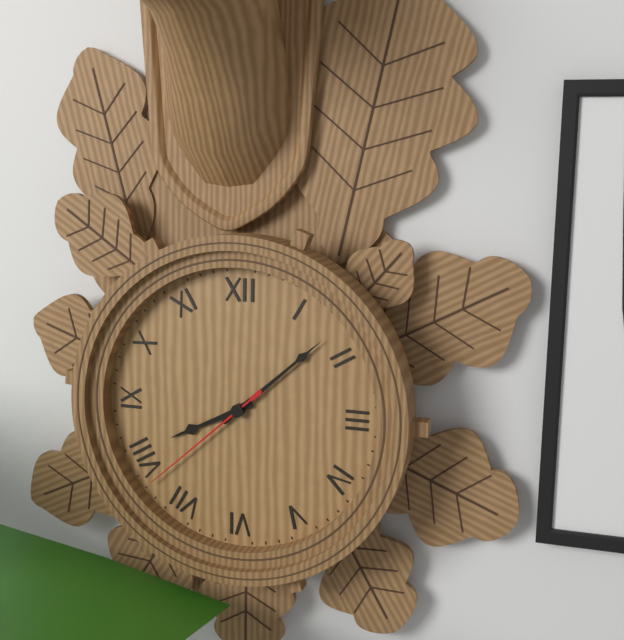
h=8 m=8 s=38
